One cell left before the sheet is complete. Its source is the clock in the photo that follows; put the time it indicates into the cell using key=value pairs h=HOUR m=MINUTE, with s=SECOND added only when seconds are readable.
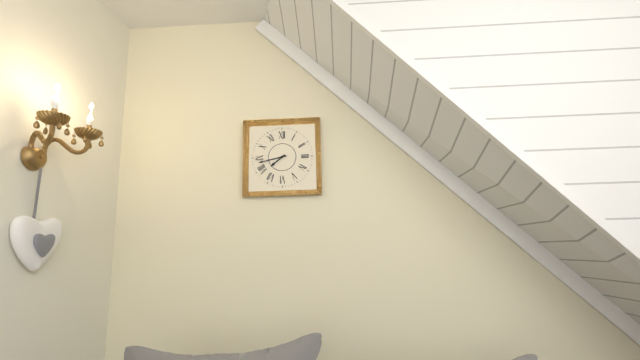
h=7 m=43
